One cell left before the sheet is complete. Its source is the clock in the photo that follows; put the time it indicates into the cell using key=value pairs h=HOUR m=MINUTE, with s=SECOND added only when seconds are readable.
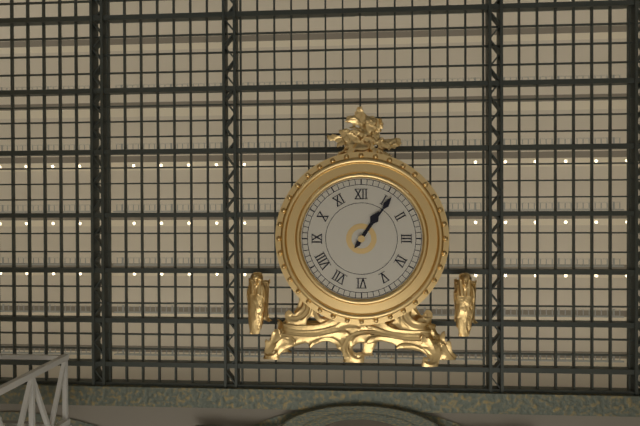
h=1 m=6
